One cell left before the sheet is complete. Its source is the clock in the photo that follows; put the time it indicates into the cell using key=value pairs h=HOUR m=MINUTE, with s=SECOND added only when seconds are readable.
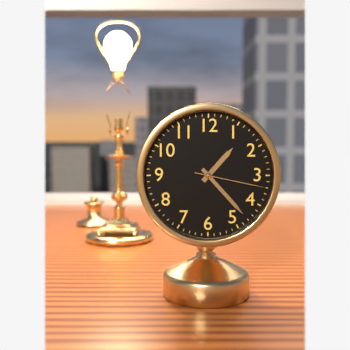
h=1 m=23 s=17
